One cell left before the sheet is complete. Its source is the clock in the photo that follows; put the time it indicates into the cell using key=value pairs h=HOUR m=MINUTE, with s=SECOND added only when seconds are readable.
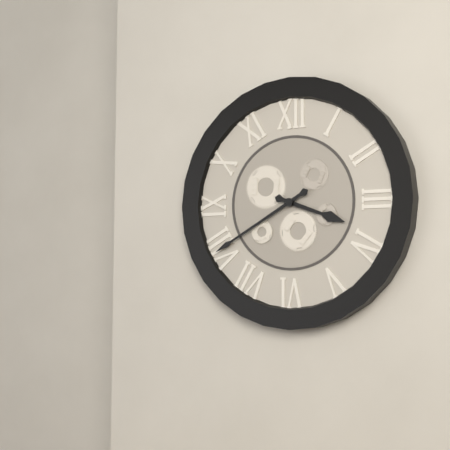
h=3 m=40
